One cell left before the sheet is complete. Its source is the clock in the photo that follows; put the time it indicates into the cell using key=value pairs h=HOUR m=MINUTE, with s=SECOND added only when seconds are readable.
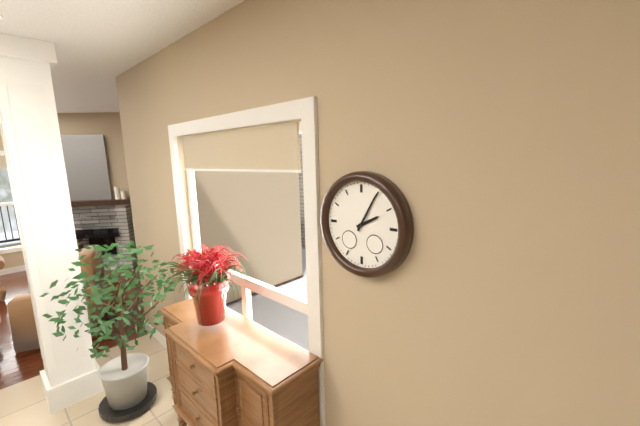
h=2 m=5
